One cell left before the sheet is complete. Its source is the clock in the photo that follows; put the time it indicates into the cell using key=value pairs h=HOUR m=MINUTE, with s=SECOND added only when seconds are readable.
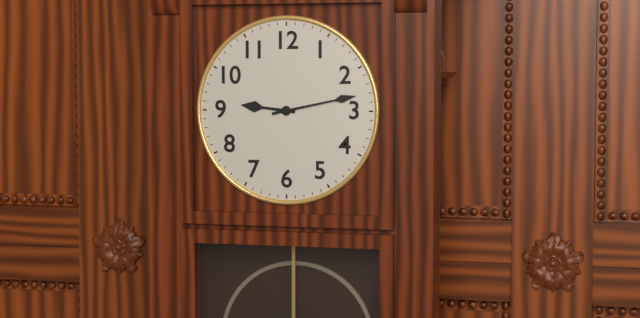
h=9 m=13
